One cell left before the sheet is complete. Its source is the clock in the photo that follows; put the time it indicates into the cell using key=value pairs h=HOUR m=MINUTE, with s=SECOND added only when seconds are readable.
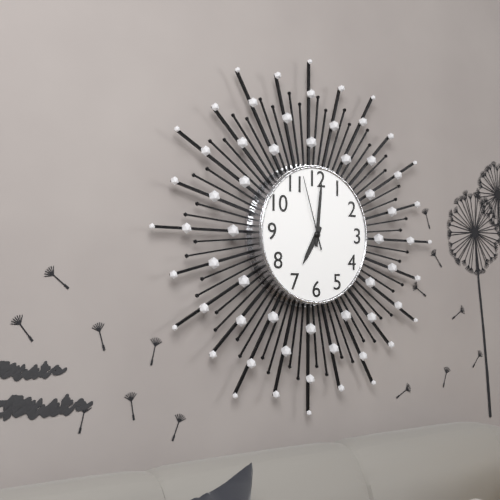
h=7 m=1 s=57
